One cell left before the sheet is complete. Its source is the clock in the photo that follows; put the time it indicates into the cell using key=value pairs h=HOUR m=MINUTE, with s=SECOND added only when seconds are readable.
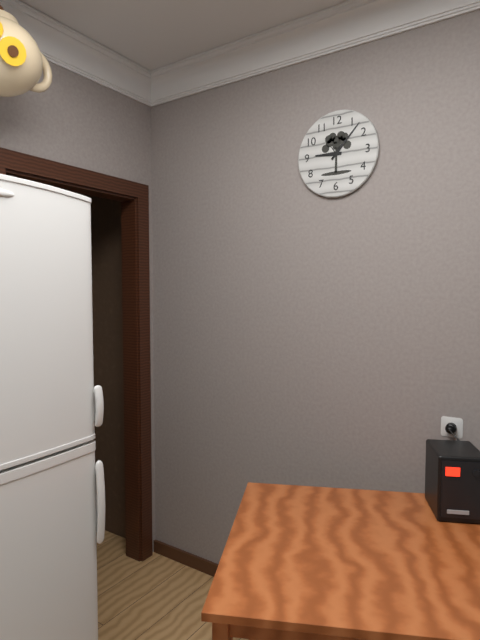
h=9 m=7
